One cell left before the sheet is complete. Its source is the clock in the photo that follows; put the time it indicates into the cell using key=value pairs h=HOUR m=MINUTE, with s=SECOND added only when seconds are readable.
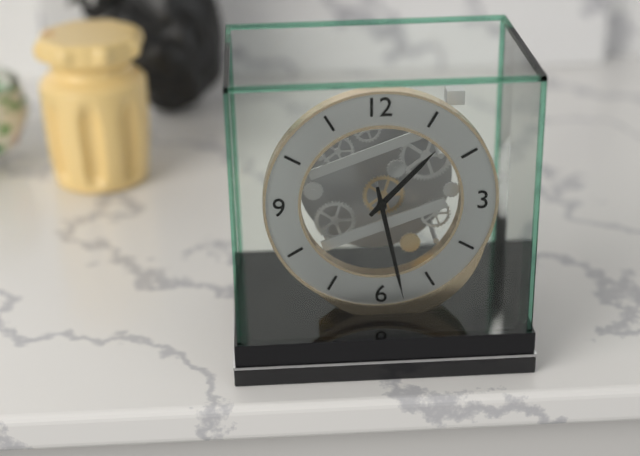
h=1 m=28
